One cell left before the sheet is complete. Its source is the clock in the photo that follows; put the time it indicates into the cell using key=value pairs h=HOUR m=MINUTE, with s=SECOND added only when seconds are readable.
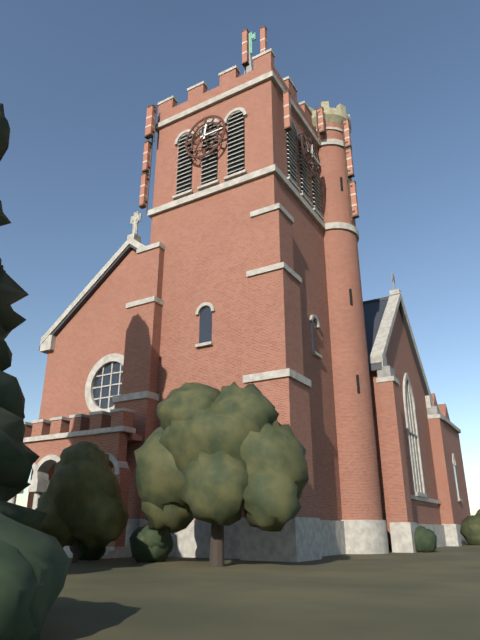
h=12 m=15
